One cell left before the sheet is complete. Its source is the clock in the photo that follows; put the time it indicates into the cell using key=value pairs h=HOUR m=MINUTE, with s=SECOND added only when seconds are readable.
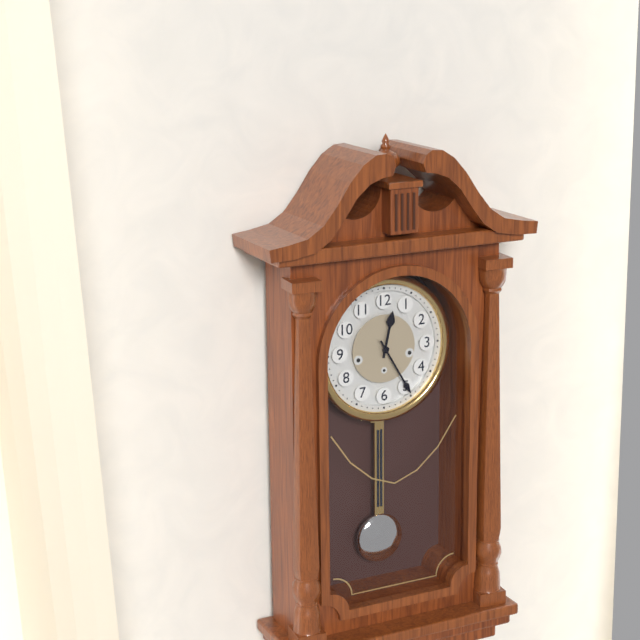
h=12 m=25
